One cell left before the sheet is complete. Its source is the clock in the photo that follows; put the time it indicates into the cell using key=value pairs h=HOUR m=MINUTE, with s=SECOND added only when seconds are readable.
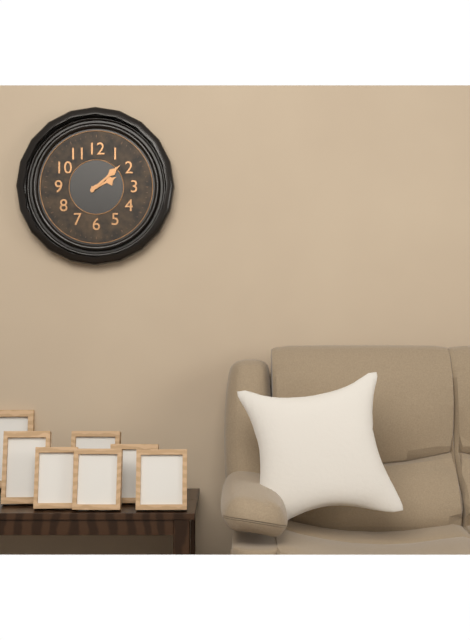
h=2 m=8
